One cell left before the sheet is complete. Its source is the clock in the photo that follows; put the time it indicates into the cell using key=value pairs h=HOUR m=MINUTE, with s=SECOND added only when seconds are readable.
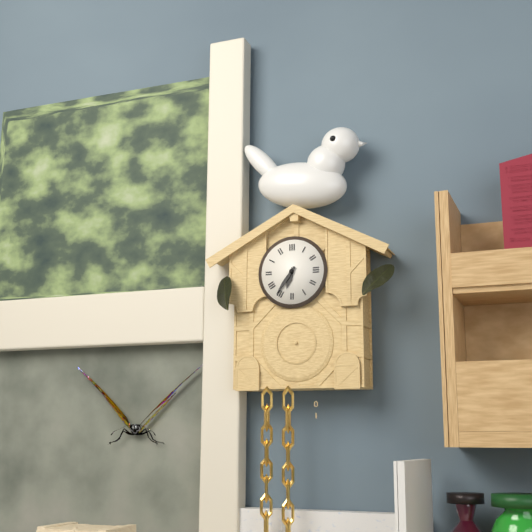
h=6 m=36
